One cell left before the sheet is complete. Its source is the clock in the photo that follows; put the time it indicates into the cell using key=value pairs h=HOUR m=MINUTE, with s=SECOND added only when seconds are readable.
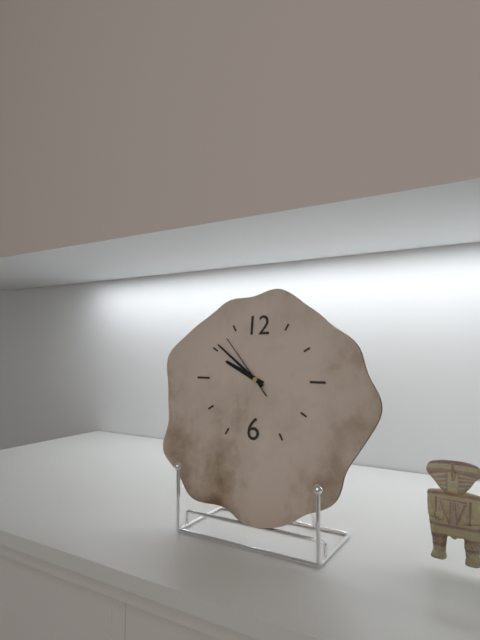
h=9 m=51 s=53
